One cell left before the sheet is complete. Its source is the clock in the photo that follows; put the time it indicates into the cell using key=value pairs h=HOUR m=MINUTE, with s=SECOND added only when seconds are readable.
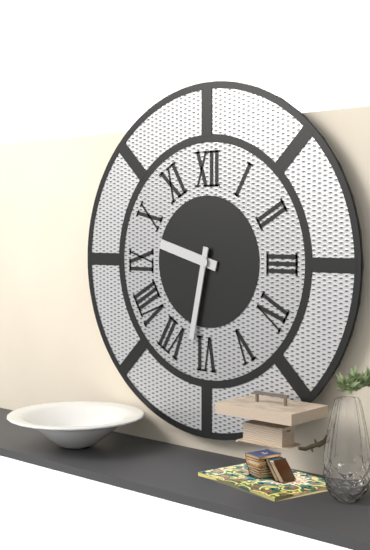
h=9 m=32
